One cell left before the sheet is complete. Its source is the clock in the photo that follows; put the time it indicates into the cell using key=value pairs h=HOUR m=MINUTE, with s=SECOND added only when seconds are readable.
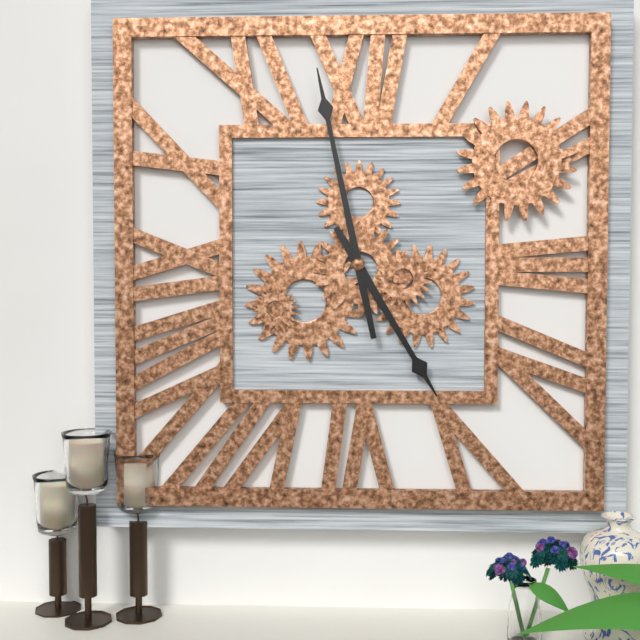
h=4 m=58
